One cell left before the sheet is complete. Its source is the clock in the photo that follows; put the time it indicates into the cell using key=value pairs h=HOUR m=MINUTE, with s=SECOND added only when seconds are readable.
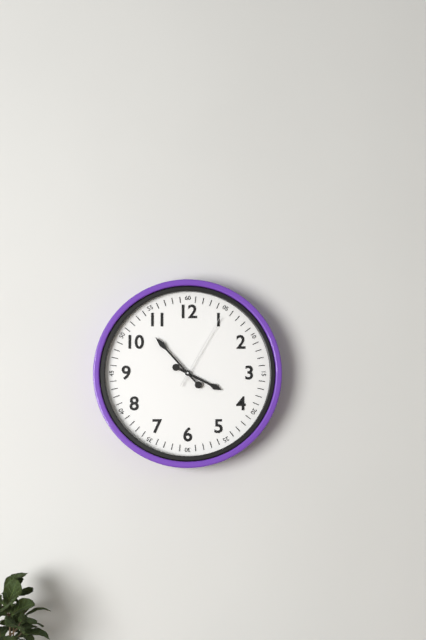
h=3 m=53 s=5
